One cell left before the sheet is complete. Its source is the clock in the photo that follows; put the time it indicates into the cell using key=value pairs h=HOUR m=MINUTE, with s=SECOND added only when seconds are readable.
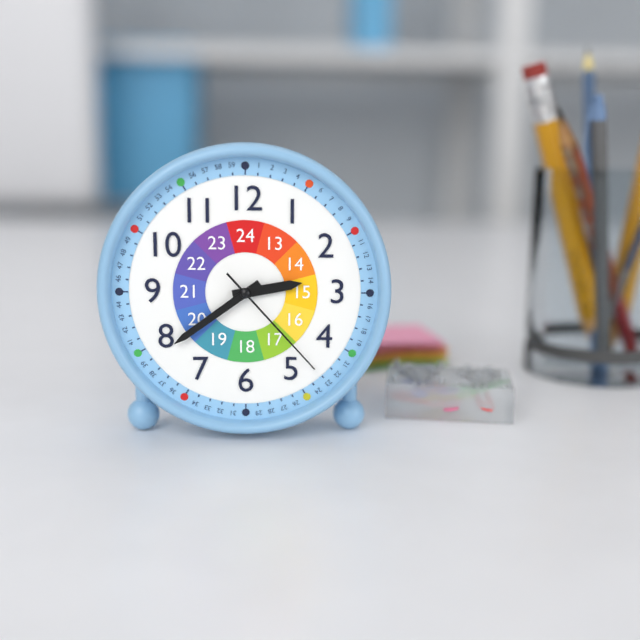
h=2 m=39 s=23
